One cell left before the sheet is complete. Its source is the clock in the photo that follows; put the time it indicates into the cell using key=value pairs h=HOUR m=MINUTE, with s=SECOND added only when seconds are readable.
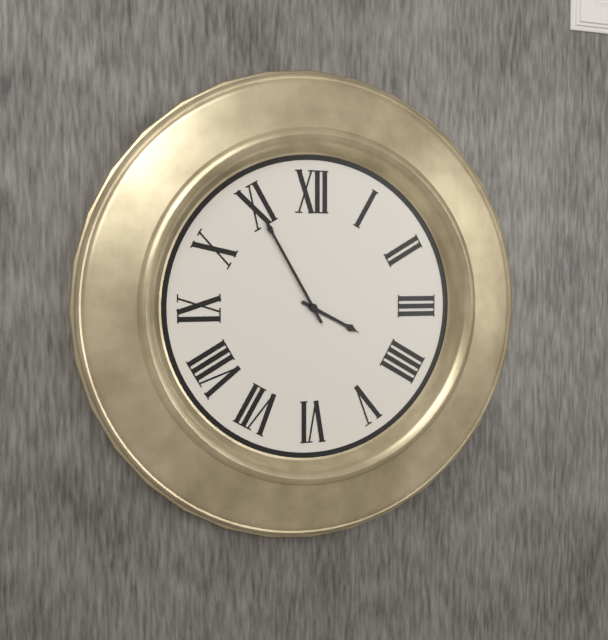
h=3 m=55
